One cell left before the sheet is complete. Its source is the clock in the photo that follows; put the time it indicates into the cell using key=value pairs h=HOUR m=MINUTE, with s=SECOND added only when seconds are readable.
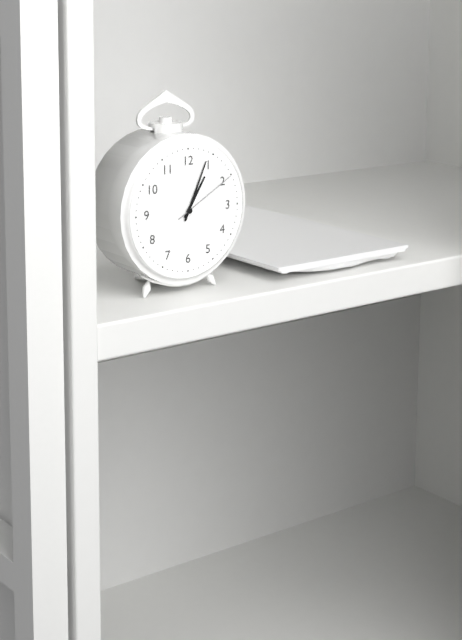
h=1 m=4 s=10
